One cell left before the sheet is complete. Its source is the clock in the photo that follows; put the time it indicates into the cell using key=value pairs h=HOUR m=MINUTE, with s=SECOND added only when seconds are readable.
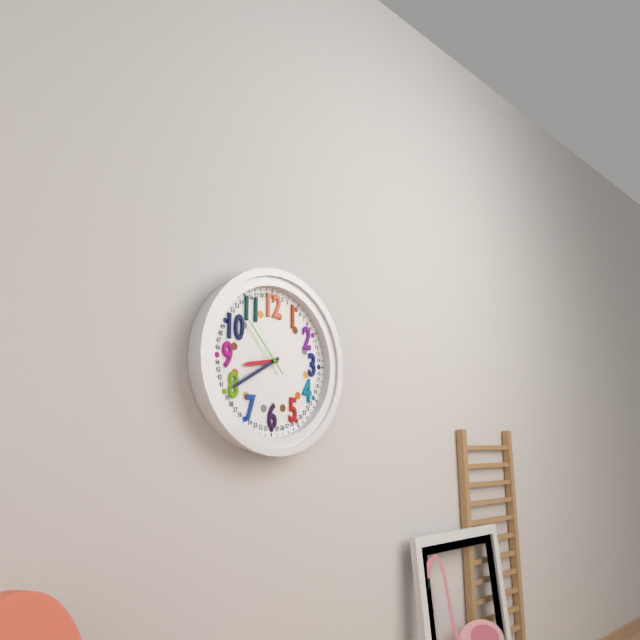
h=8 m=40 s=53
